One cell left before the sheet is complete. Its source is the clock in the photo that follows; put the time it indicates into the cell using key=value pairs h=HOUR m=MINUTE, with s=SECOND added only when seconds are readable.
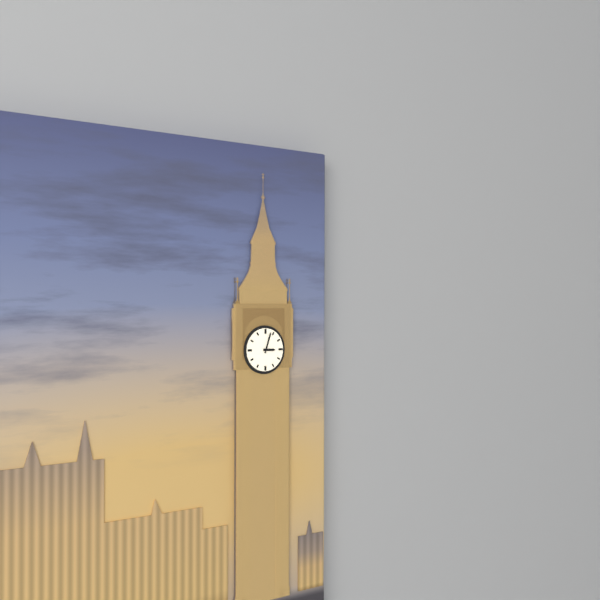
h=3 m=3
